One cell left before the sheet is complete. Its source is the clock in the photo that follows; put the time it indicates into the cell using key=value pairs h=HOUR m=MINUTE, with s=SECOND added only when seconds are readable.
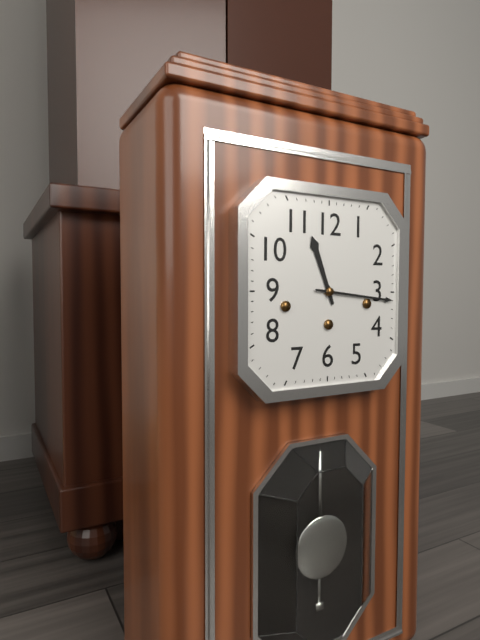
h=11 m=16
